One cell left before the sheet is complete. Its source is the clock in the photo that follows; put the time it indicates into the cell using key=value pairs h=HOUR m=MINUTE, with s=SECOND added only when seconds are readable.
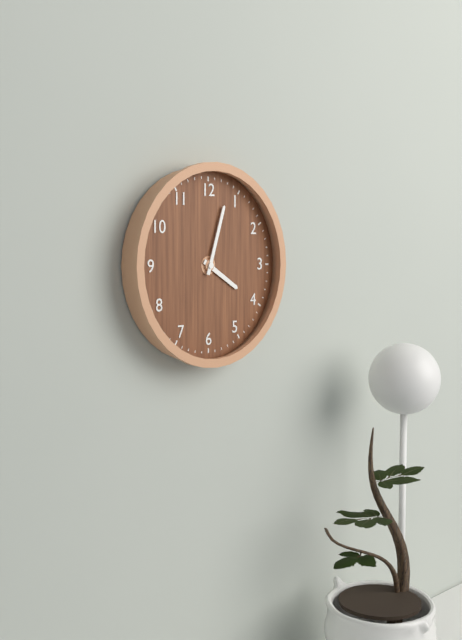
h=4 m=3
